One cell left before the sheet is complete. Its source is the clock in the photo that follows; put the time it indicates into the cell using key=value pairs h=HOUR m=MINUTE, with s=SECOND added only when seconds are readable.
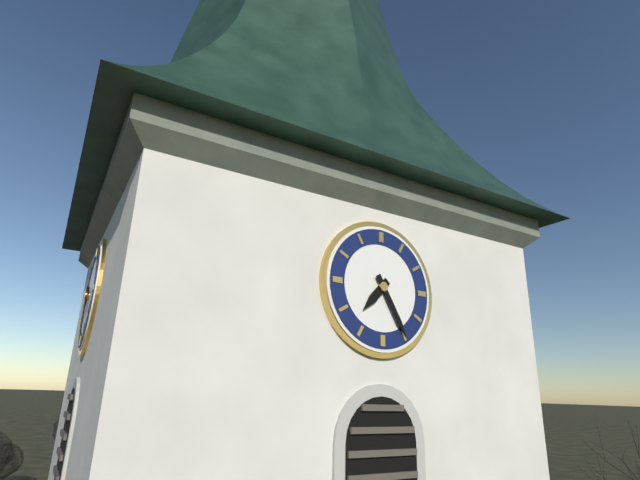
h=7 m=25
